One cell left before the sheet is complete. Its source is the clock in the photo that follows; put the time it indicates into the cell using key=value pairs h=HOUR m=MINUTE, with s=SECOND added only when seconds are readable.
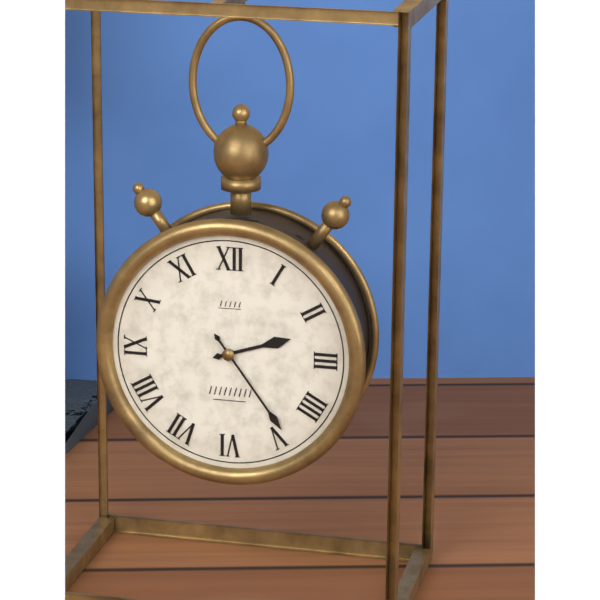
h=2 m=24
